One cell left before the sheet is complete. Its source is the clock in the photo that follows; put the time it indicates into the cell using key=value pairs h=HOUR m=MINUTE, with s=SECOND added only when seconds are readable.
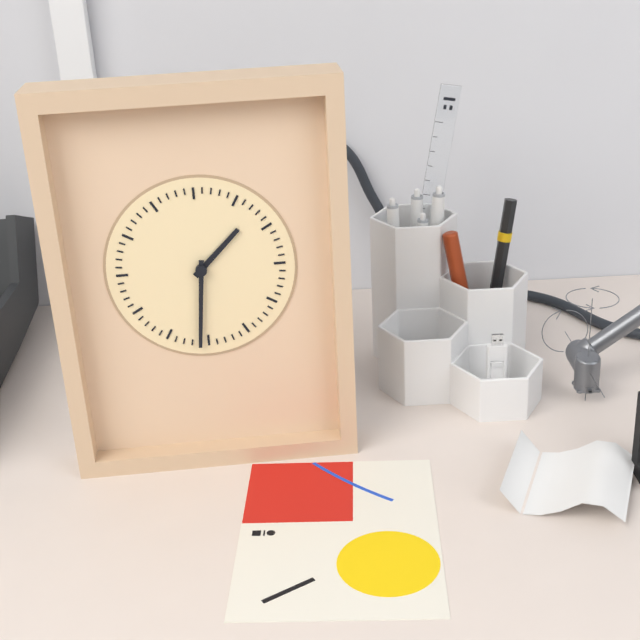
h=1 m=31
